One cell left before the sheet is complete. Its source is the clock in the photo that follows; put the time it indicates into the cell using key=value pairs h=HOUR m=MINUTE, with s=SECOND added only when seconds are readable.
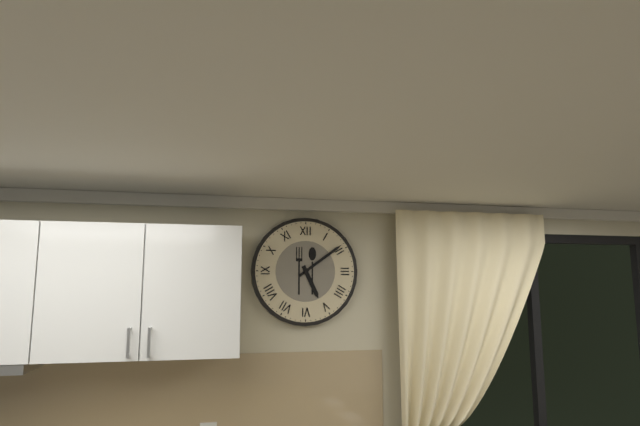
h=5 m=9
